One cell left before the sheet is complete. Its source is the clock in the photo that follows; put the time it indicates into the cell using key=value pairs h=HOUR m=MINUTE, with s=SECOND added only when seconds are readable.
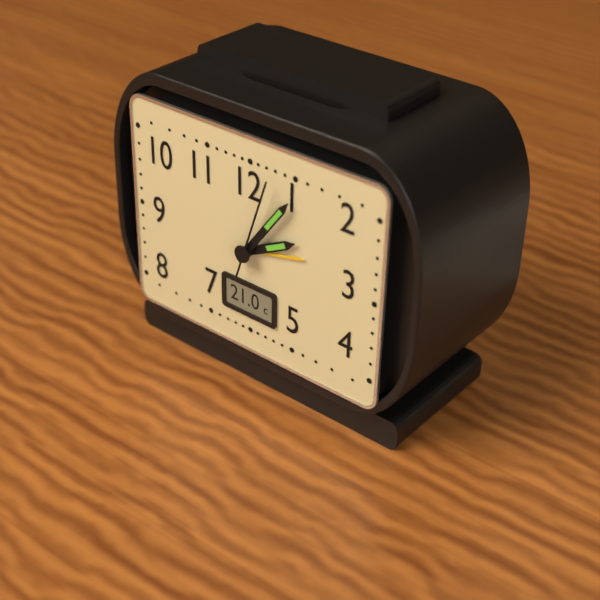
h=2 m=6 s=3
